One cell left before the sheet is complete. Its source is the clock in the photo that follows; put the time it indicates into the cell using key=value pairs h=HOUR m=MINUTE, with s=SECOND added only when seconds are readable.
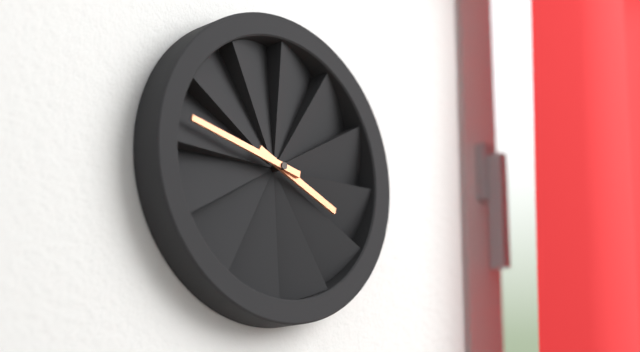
h=3 m=47
